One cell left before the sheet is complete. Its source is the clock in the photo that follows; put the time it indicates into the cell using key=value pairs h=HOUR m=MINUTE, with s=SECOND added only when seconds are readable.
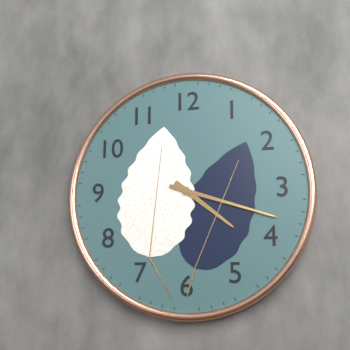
h=4 m=18
